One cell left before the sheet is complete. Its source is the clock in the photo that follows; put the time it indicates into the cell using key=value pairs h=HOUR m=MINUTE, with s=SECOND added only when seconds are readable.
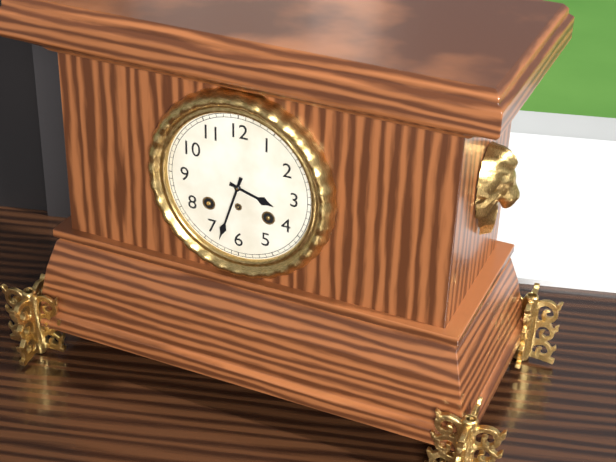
h=3 m=33
